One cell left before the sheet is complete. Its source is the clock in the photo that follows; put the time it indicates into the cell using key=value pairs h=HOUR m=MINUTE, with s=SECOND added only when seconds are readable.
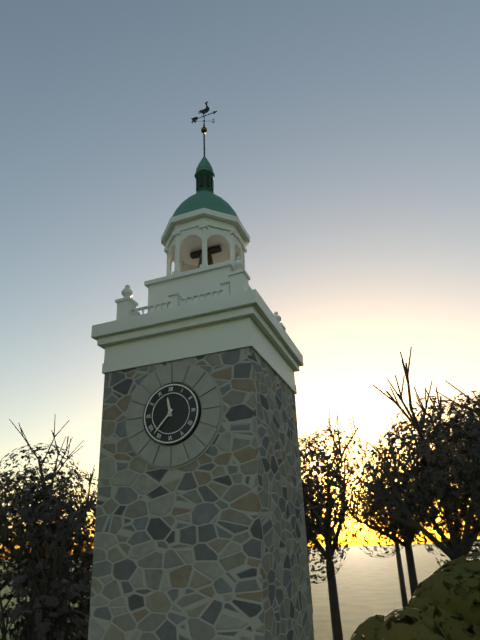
h=11 m=37
